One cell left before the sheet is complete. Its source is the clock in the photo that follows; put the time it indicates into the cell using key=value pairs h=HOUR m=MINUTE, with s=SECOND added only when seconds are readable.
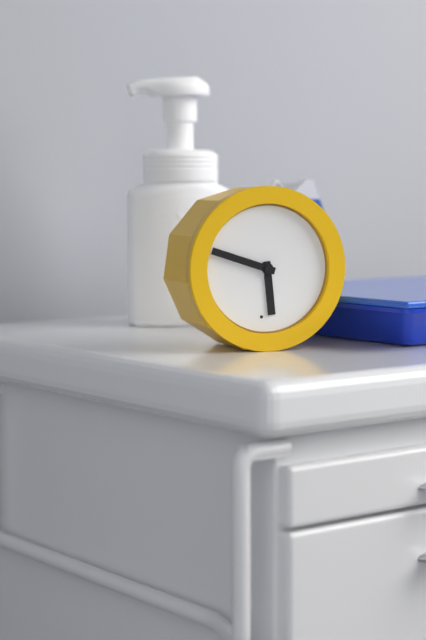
h=5 m=48
